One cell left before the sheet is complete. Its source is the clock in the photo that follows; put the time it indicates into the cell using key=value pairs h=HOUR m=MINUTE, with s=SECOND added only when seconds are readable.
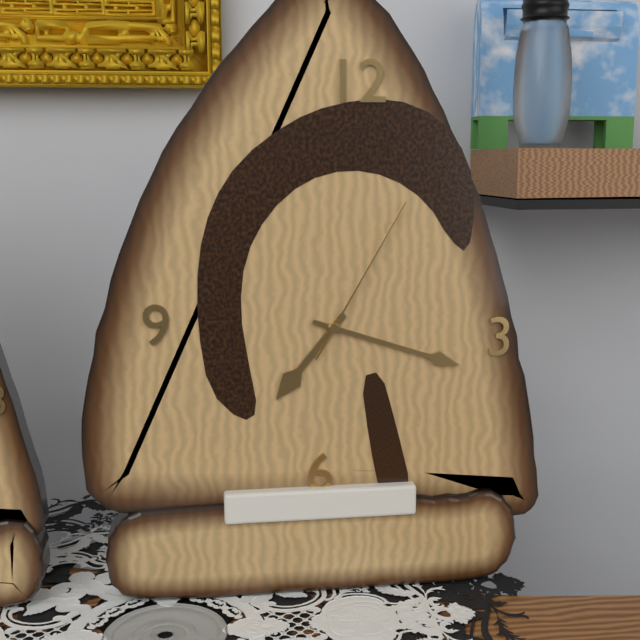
h=7 m=18 s=5
